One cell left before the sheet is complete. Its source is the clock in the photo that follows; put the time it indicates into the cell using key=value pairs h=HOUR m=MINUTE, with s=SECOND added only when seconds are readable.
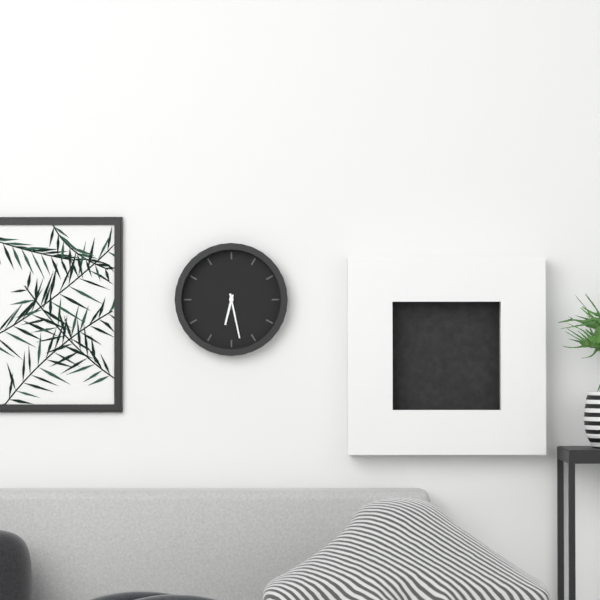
h=6 m=28
